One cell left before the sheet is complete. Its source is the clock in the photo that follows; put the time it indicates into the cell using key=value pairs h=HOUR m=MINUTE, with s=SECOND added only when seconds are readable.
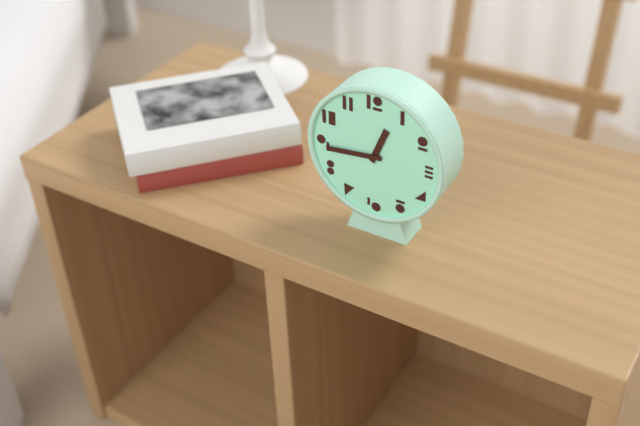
h=12 m=44
